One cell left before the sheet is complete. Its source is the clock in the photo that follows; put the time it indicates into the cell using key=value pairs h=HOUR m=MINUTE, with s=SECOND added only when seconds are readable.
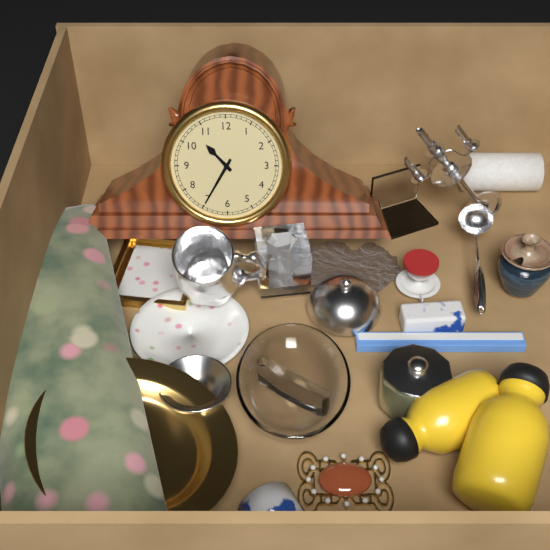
h=10 m=35
